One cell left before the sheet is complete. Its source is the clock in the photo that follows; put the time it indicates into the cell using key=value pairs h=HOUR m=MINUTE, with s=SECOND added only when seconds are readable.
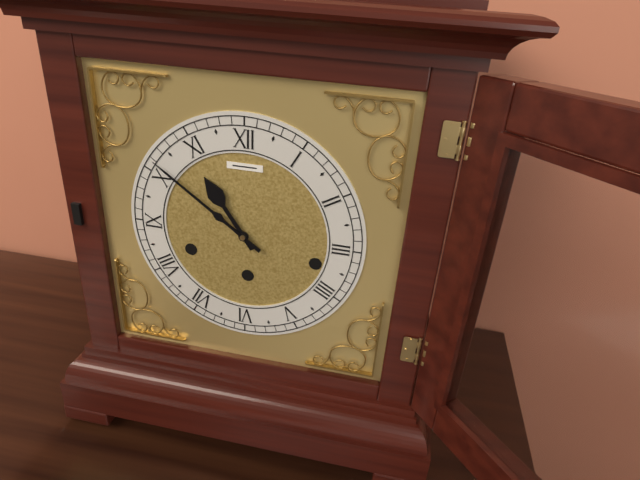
h=10 m=51
